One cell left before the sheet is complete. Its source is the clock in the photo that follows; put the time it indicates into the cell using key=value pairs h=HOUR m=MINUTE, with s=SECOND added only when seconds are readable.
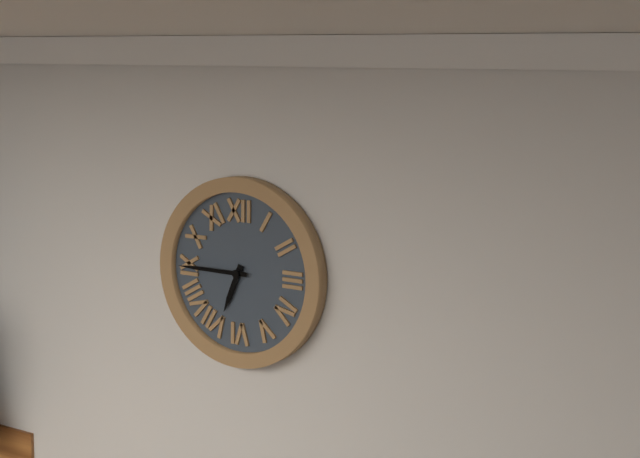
h=6 m=45
